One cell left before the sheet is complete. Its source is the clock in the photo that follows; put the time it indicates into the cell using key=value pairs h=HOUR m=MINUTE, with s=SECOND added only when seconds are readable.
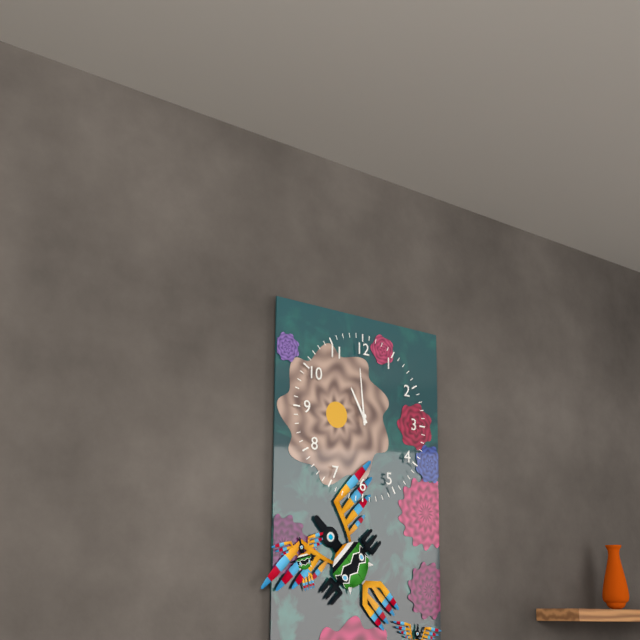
h=10 m=59
